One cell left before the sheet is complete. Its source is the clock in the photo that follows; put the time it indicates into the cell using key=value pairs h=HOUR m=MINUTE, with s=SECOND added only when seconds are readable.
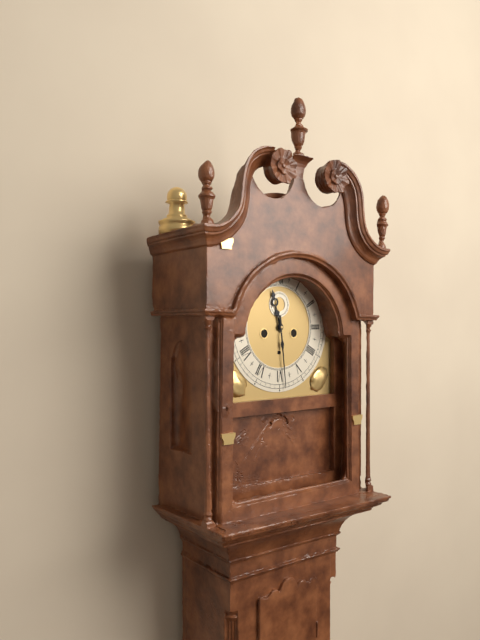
h=11 m=29
